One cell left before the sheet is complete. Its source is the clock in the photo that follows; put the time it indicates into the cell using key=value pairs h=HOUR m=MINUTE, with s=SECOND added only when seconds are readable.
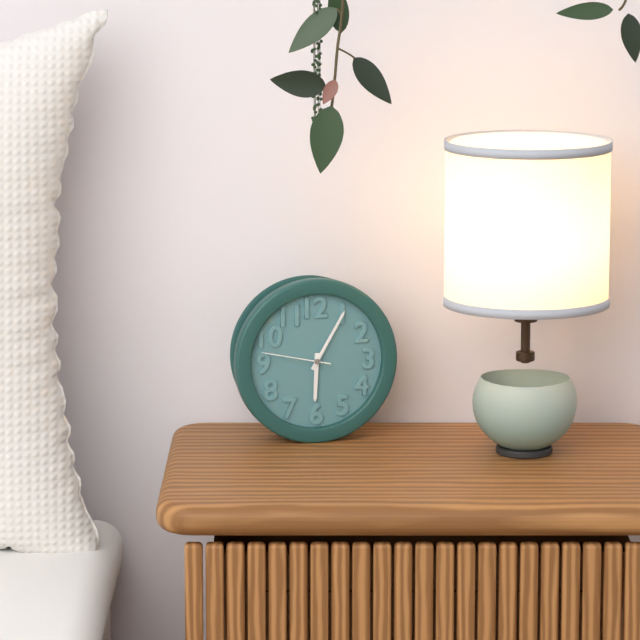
h=6 m=5 s=47
